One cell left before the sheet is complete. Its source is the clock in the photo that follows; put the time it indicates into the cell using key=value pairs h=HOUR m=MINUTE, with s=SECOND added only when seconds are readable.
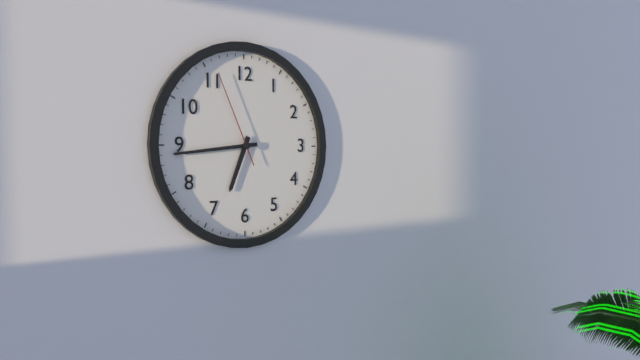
h=6 m=44 s=56
